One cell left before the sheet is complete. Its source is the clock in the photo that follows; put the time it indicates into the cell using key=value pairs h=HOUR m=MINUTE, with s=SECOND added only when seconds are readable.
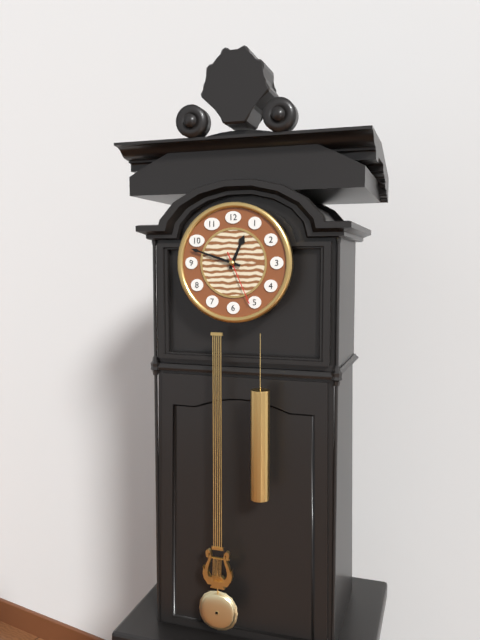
h=12 m=48 s=26
